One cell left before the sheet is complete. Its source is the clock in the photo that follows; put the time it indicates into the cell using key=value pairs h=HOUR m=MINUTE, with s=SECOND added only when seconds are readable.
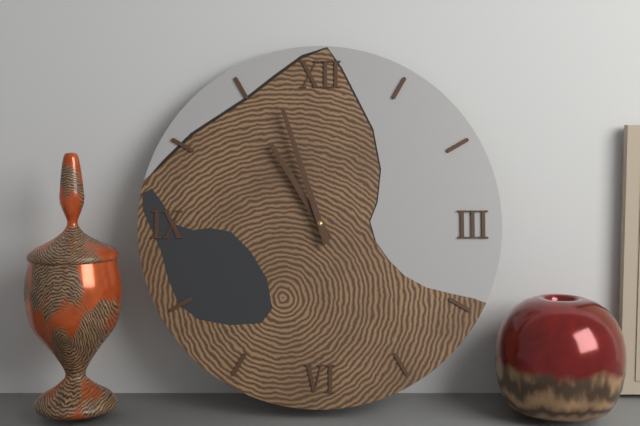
h=10 m=57
